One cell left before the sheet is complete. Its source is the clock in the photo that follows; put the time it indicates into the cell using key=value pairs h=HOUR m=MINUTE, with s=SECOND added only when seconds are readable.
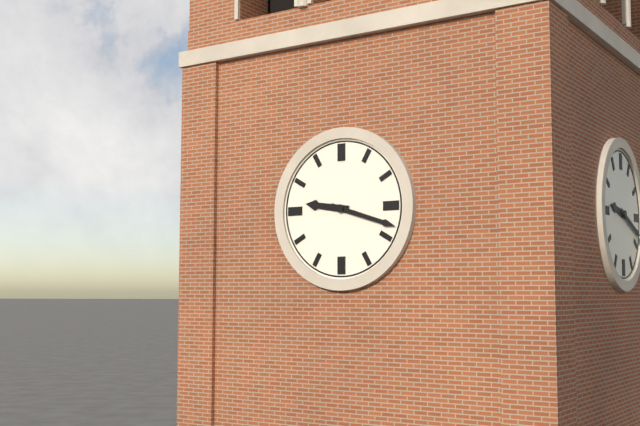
h=9 m=18
